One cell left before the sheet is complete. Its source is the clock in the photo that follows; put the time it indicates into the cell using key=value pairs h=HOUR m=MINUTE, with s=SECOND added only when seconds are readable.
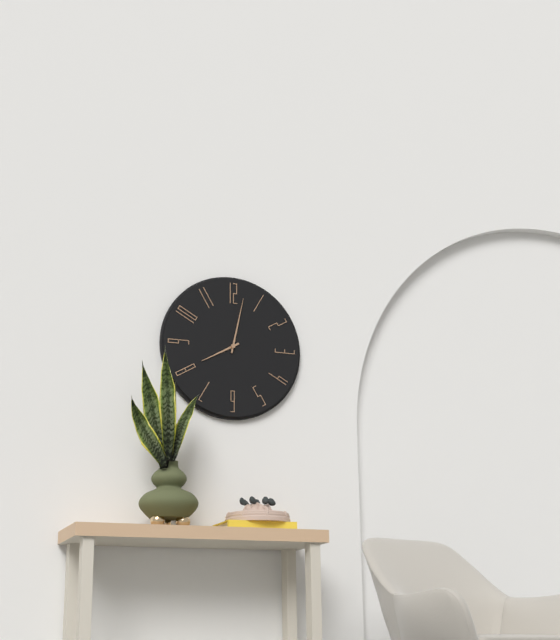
h=8 m=2
